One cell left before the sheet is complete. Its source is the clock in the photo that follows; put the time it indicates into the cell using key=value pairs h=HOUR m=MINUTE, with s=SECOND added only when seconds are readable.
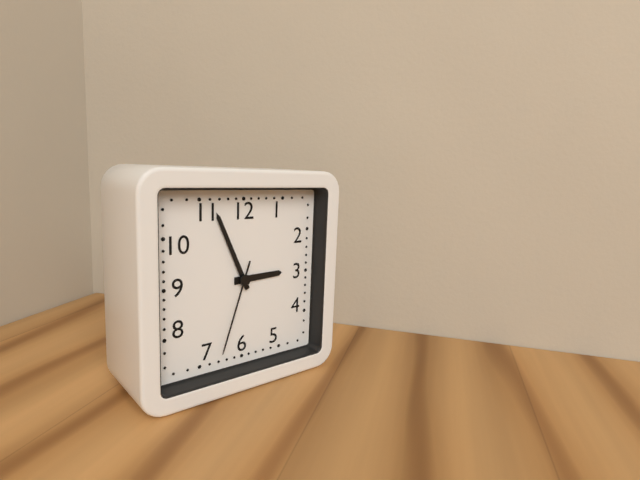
h=2 m=56 s=33
